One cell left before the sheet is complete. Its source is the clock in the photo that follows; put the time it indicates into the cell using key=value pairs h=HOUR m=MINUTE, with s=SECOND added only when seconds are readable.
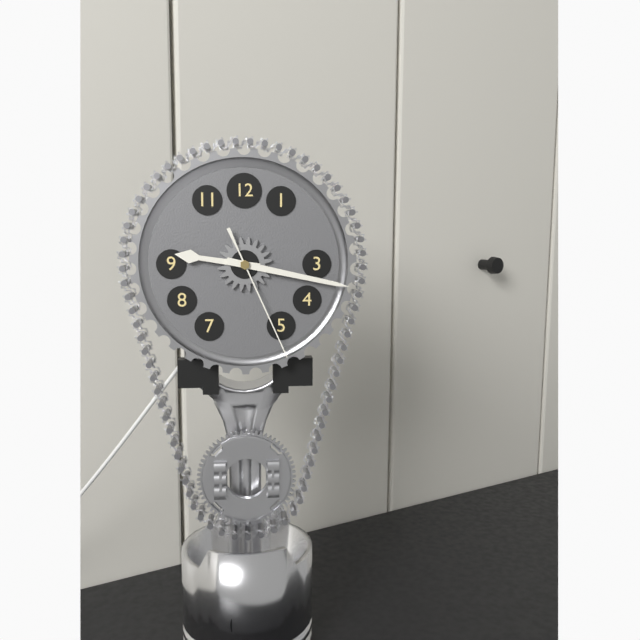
h=9 m=17 s=26
